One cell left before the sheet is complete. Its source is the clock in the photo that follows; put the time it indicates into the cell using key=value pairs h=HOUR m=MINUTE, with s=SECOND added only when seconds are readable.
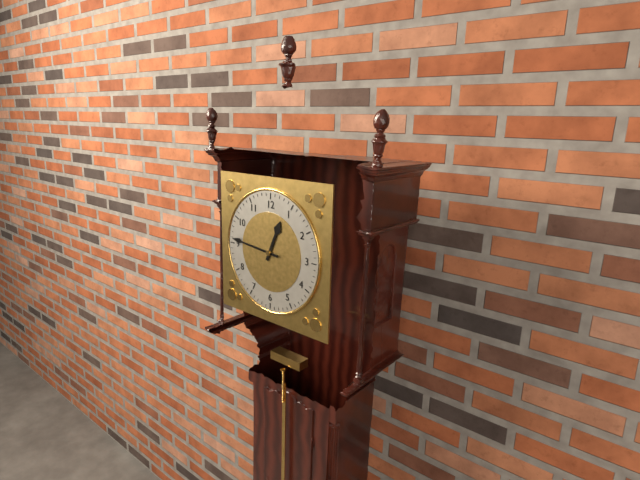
h=12 m=46
